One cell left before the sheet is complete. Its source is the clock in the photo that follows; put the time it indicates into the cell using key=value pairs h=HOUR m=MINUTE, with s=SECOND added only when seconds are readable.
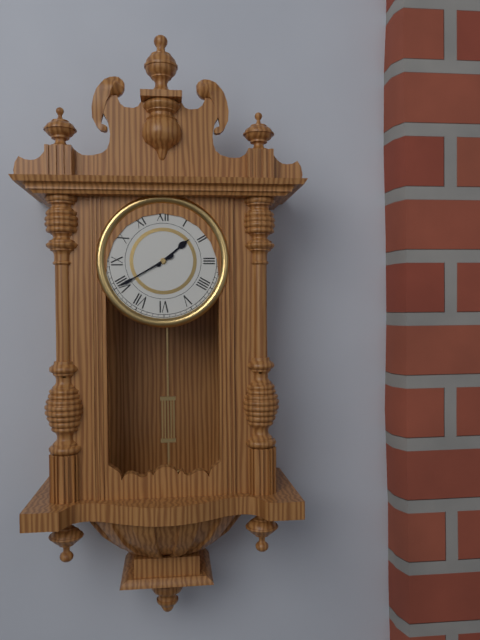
h=1 m=40
